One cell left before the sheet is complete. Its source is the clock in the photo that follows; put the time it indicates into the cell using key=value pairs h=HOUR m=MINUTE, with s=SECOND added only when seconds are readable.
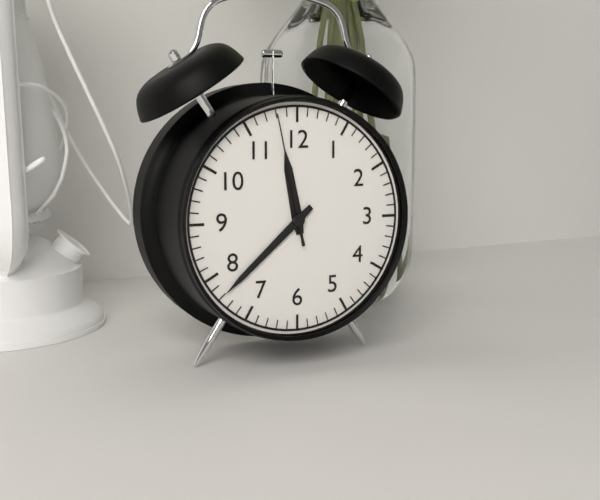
h=11 m=38 s=58
